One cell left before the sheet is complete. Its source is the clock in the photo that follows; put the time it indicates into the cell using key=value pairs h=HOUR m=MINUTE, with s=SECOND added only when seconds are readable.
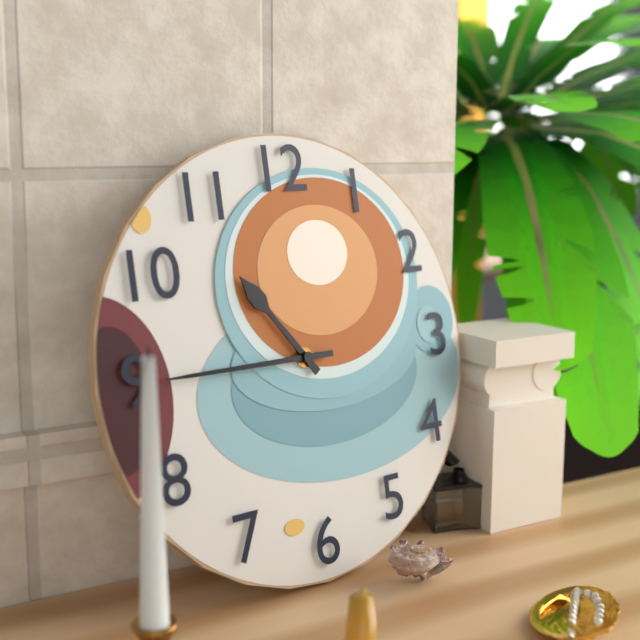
h=10 m=45
